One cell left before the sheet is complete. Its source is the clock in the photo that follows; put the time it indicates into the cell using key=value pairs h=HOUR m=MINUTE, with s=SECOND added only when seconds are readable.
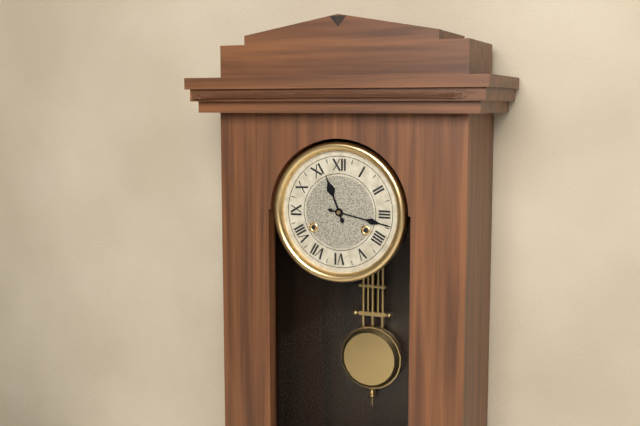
h=11 m=17
